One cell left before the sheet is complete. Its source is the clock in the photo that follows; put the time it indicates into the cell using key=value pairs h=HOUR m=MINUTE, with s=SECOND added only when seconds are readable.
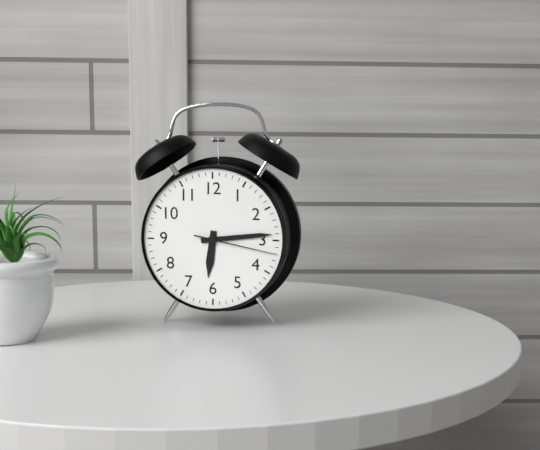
h=6 m=14 s=17
